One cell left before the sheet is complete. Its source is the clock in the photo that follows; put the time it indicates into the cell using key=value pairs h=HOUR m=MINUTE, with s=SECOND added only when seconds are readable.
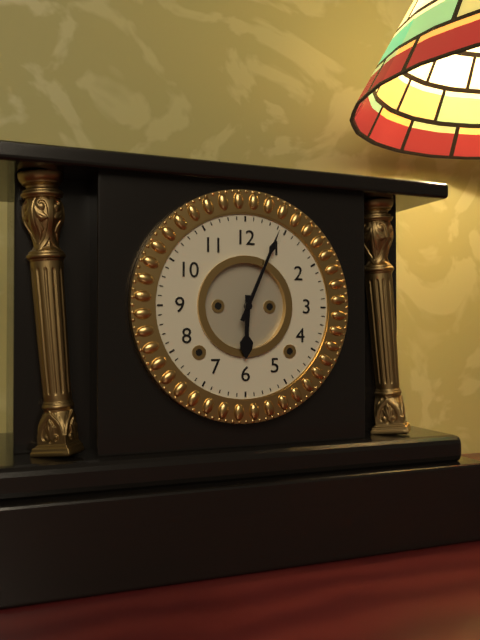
h=6 m=4
